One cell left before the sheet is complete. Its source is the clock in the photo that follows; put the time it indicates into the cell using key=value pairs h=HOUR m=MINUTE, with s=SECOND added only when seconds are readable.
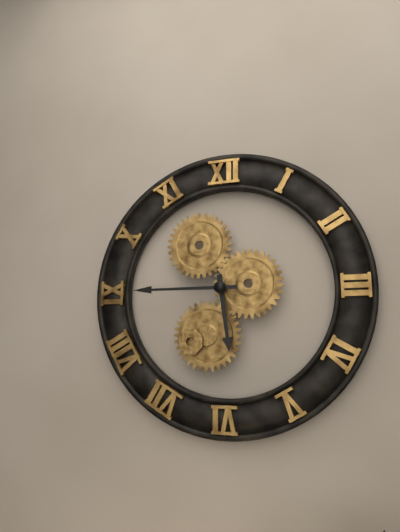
h=5 m=45
